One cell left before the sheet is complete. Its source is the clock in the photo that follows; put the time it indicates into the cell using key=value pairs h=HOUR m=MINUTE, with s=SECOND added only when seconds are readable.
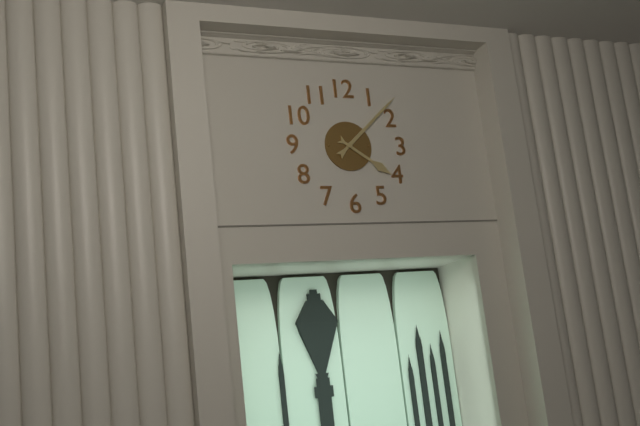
h=4 m=8
